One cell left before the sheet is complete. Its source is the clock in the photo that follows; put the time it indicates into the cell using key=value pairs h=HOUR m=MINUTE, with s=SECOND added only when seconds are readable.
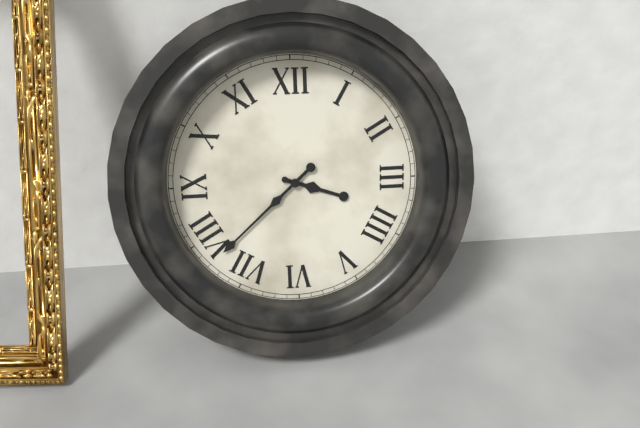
h=3 m=38
